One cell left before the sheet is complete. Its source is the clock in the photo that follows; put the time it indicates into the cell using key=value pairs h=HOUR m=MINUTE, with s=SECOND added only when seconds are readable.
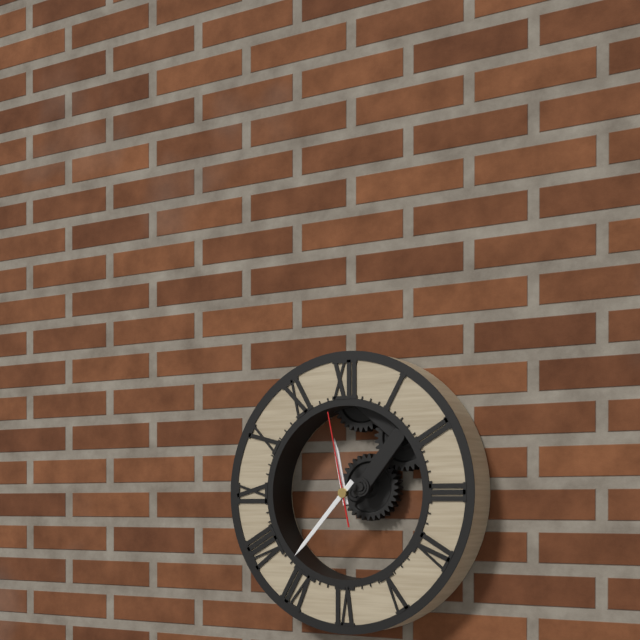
h=11 m=37 s=58
